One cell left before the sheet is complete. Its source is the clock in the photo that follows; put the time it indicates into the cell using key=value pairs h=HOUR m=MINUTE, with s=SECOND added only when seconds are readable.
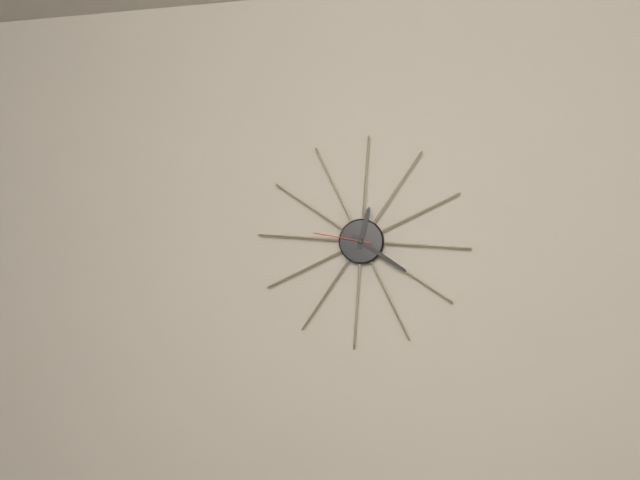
h=12 m=20 s=46
